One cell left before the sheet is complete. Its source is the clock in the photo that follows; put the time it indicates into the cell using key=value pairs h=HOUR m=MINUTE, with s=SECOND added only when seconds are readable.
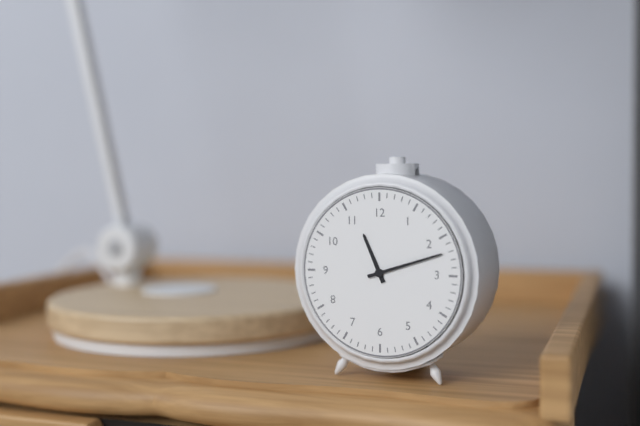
h=11 m=12
